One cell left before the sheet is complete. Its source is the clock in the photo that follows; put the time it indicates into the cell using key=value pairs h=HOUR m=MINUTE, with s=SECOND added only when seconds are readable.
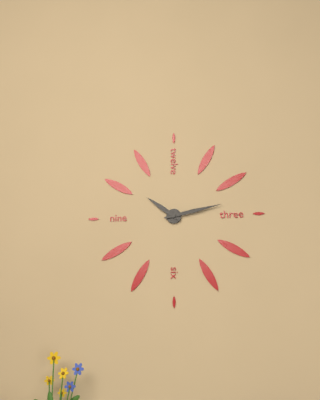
h=10 m=13
